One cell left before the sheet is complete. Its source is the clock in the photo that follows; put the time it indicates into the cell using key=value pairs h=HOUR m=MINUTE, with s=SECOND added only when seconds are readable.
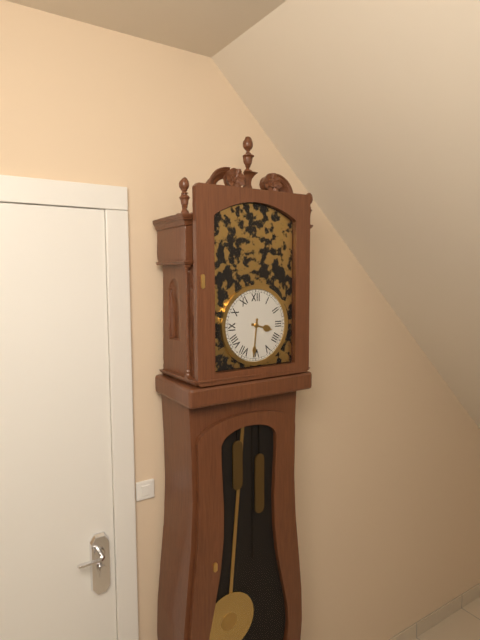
h=3 m=31
